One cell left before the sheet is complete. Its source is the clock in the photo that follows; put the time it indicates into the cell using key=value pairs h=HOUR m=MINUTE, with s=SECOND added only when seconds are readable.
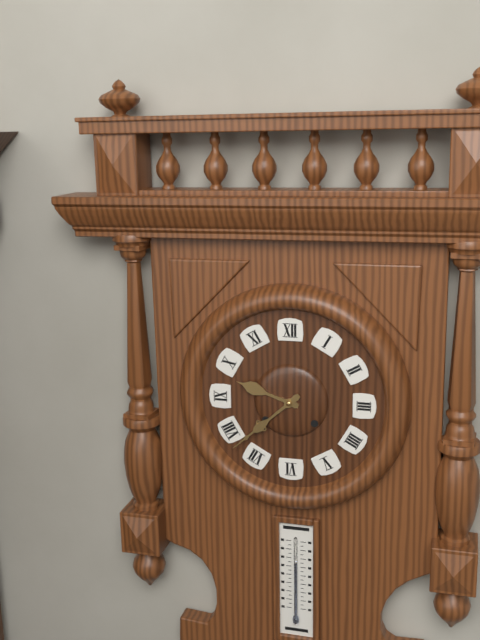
h=9 m=38
